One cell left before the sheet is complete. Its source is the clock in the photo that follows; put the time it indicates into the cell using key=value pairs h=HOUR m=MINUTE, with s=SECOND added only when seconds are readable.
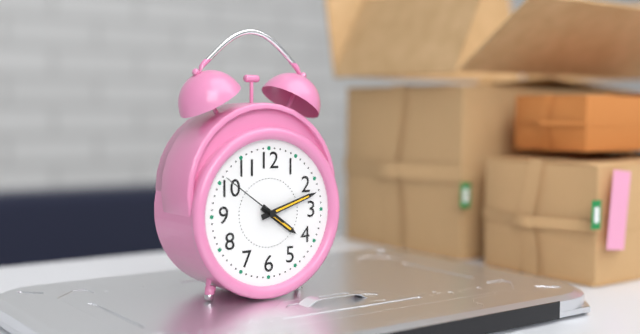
h=4 m=12 s=51
